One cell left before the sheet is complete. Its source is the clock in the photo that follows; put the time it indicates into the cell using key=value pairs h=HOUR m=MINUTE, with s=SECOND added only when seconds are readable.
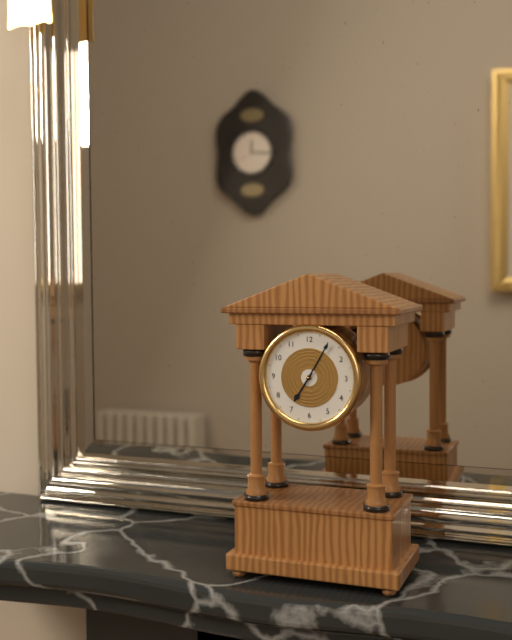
h=7 m=5
